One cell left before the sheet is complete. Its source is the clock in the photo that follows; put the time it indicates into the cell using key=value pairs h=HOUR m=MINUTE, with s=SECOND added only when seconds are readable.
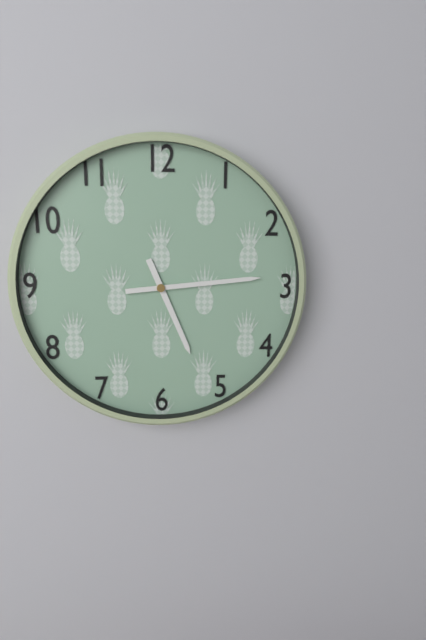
h=5 m=14
